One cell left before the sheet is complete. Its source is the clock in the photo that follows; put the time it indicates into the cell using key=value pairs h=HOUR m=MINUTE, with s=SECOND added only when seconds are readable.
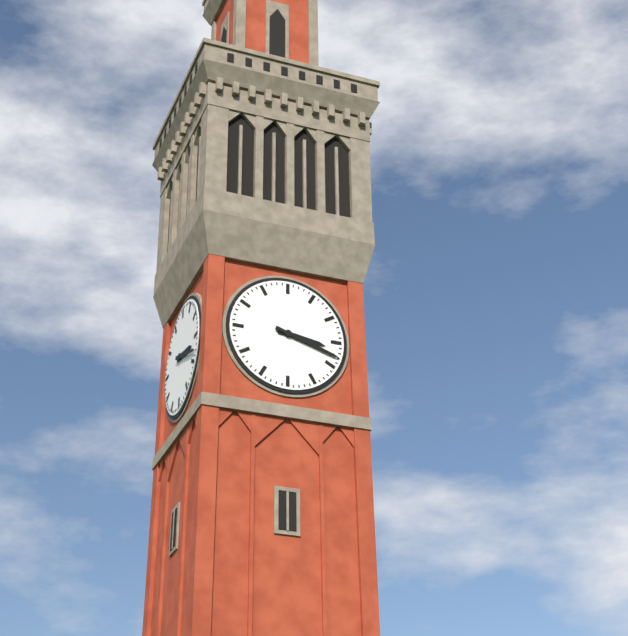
h=3 m=18
